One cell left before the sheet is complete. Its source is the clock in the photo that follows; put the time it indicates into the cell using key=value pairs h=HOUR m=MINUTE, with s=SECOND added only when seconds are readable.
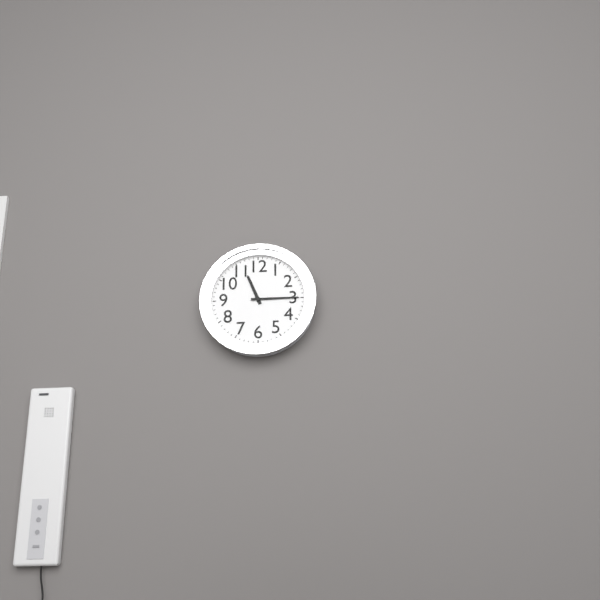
h=11 m=15
